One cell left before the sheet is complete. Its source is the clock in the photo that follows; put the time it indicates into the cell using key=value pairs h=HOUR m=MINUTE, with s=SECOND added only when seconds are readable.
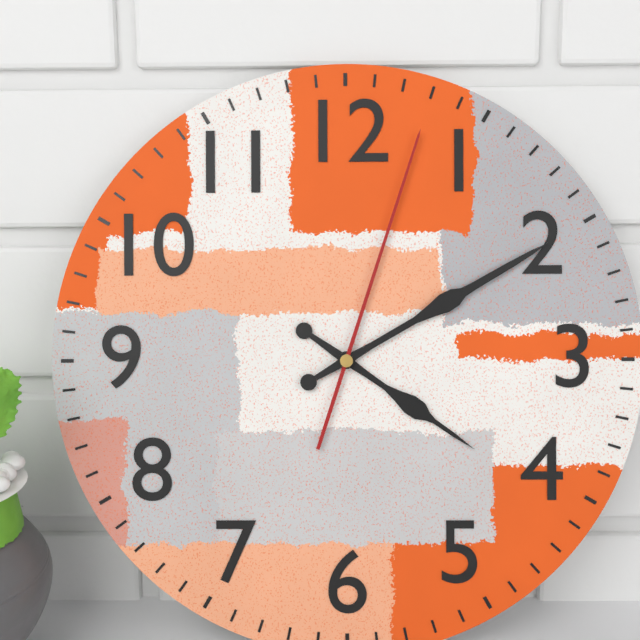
h=4 m=10 s=3
